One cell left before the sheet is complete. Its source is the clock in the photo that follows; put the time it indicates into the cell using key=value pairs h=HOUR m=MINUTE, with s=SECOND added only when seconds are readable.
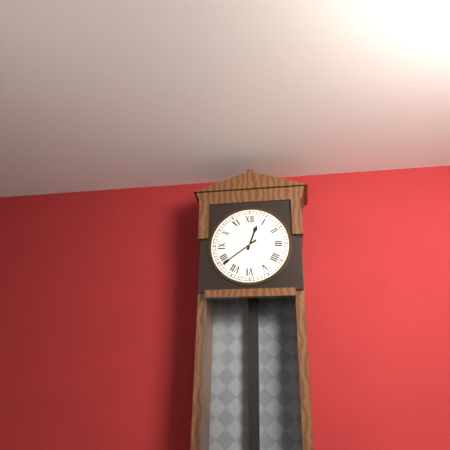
h=12 m=39
